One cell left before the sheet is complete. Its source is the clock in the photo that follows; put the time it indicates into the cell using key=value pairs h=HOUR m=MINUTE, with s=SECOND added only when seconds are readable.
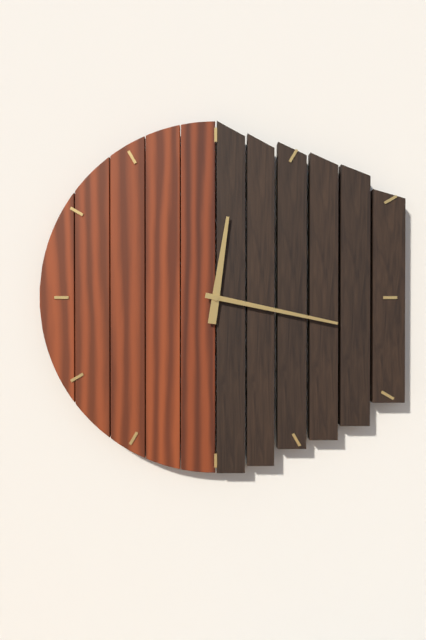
h=12 m=17
